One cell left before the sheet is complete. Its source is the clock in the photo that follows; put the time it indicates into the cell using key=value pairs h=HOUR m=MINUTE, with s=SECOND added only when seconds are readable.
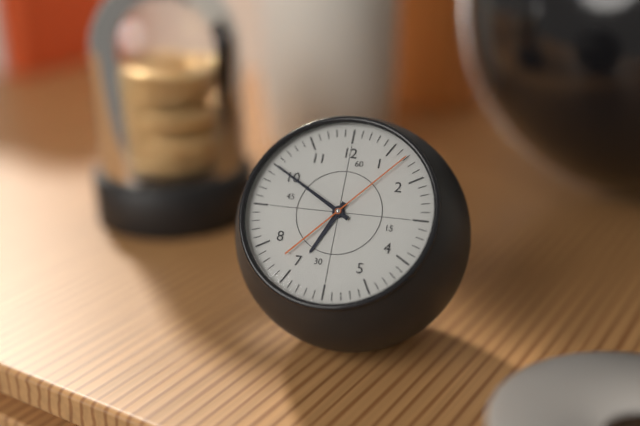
h=6 m=50 s=7
